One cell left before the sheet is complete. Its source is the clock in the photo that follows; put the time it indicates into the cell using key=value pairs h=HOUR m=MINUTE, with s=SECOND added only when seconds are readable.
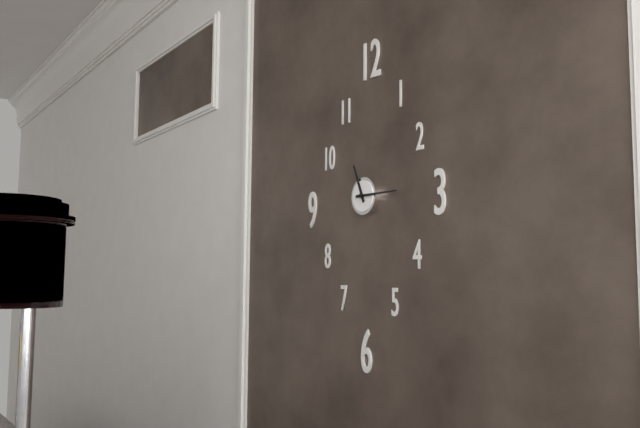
h=11 m=15
